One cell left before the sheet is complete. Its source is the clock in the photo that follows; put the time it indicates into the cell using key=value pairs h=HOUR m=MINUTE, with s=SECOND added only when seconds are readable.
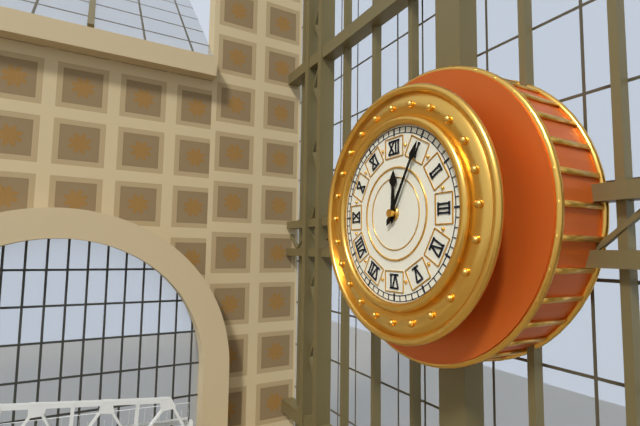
h=12 m=5
